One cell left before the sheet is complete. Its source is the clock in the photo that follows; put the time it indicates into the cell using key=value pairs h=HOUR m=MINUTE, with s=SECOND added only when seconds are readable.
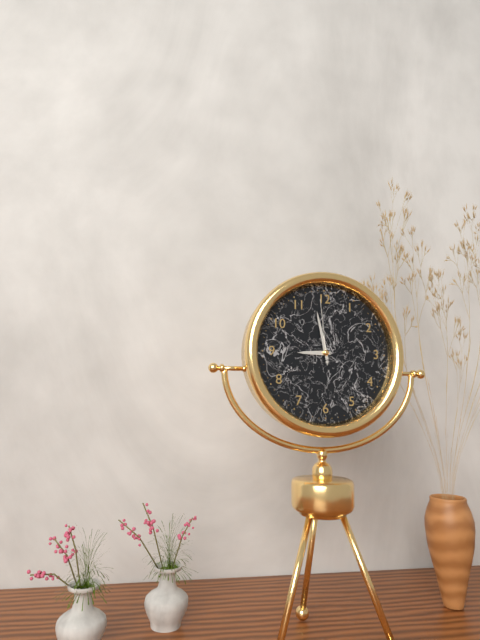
h=8 m=58 s=59
